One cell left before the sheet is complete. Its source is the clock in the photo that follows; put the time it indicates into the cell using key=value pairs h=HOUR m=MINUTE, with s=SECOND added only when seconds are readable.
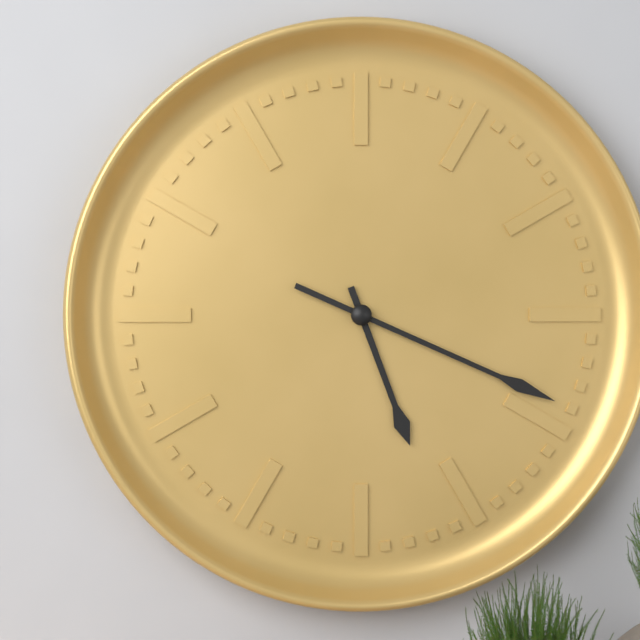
h=5 m=19
